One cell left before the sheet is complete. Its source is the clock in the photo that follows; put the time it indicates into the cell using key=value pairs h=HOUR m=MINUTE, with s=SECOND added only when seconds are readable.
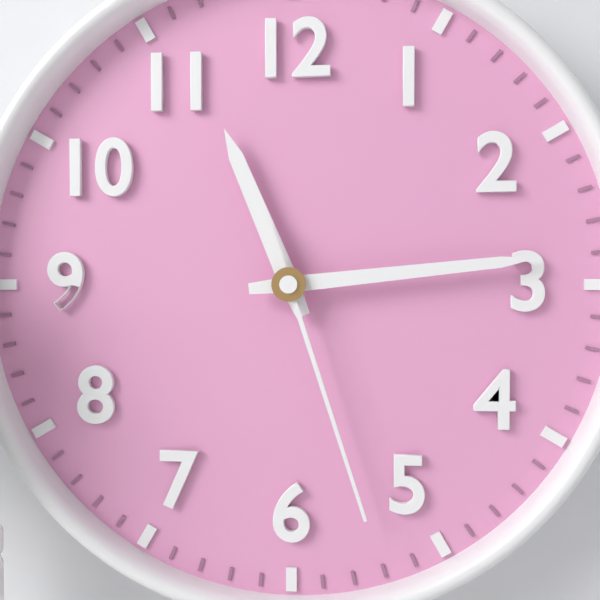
h=11 m=14 s=27
